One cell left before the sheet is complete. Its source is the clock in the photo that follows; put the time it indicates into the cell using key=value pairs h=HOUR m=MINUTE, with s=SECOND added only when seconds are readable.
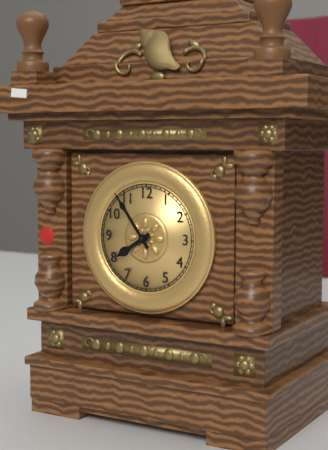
h=7 m=54
